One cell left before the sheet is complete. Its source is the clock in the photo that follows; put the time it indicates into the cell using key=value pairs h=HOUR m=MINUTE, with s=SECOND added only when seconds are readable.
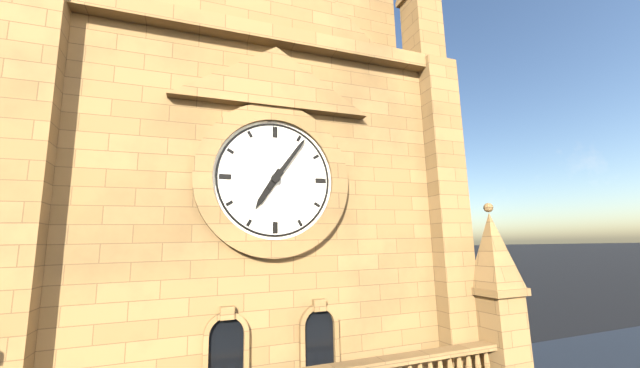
h=7 m=6
